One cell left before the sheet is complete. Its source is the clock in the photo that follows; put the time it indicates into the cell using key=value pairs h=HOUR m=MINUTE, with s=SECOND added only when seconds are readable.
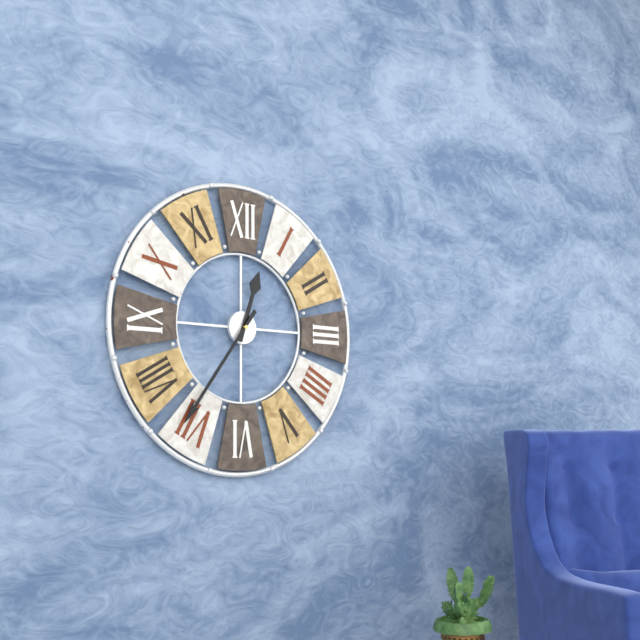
h=12 m=36
